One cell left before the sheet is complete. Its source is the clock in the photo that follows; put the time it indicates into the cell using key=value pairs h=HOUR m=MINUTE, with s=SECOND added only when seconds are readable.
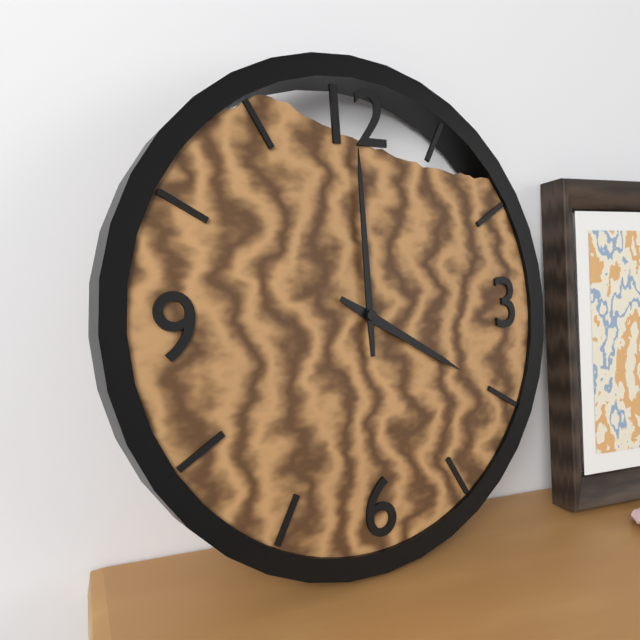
h=4 m=0
